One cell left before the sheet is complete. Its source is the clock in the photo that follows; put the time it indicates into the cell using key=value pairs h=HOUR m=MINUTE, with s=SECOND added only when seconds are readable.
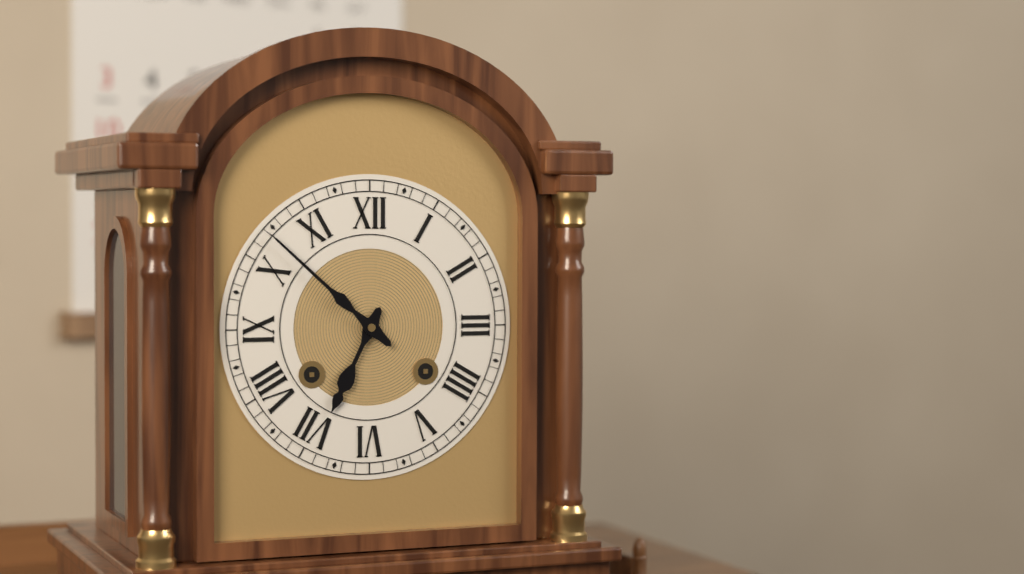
h=6 m=52
